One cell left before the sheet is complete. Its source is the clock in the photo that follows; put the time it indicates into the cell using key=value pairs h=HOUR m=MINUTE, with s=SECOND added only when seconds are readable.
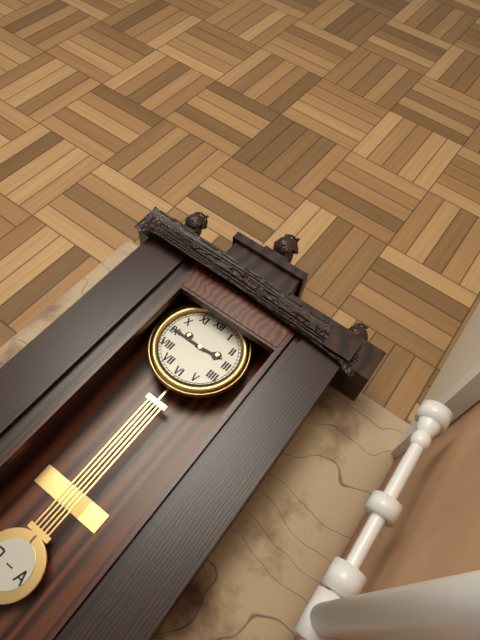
h=2 m=45
